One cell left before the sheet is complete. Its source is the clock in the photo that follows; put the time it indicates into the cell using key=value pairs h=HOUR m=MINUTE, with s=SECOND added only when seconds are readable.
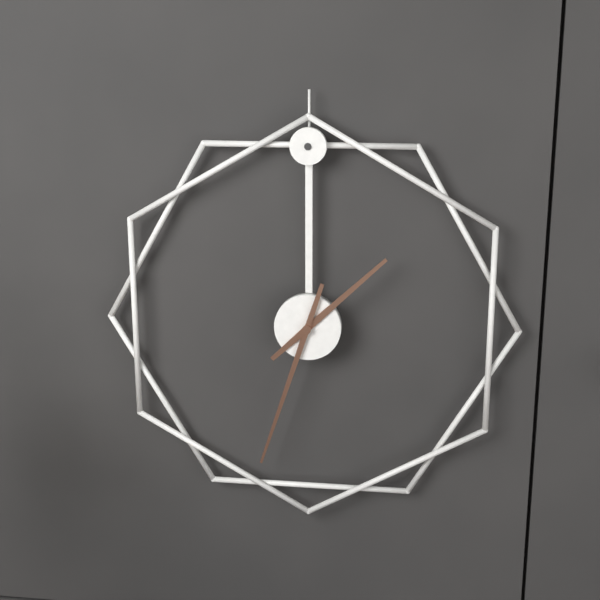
h=1 m=33
